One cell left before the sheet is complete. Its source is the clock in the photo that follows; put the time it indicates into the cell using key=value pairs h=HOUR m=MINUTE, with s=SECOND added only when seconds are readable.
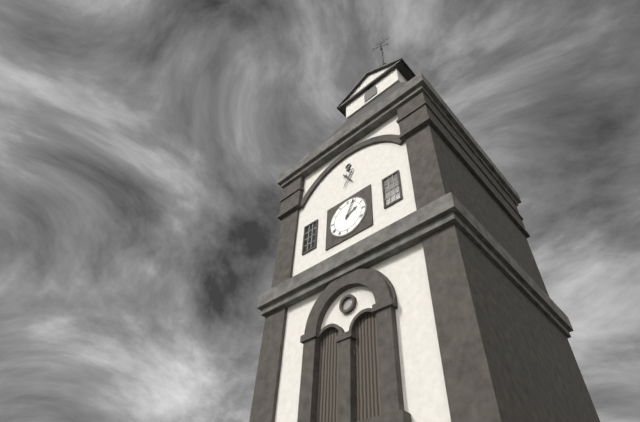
h=2 m=4
